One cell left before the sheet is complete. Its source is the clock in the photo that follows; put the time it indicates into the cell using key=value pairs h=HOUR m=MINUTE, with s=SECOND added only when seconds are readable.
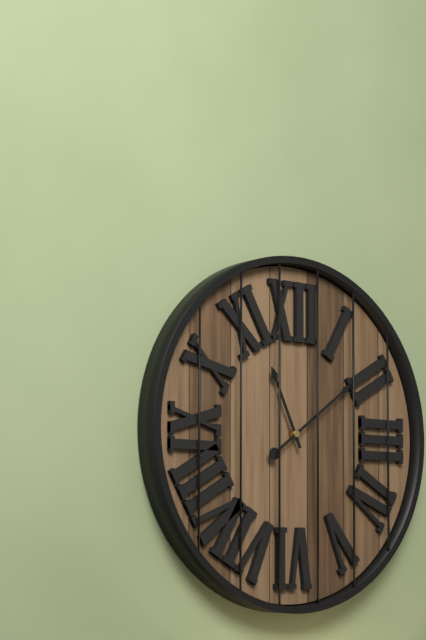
h=11 m=9
